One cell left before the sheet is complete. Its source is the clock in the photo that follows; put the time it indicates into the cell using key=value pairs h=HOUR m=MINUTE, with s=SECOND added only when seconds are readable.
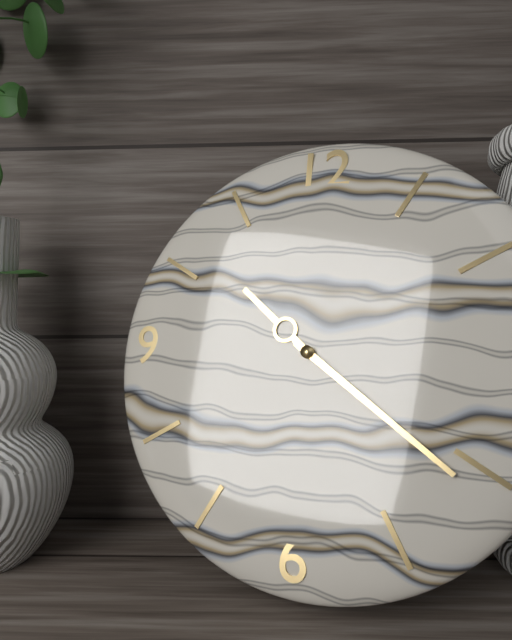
h=10 m=21
